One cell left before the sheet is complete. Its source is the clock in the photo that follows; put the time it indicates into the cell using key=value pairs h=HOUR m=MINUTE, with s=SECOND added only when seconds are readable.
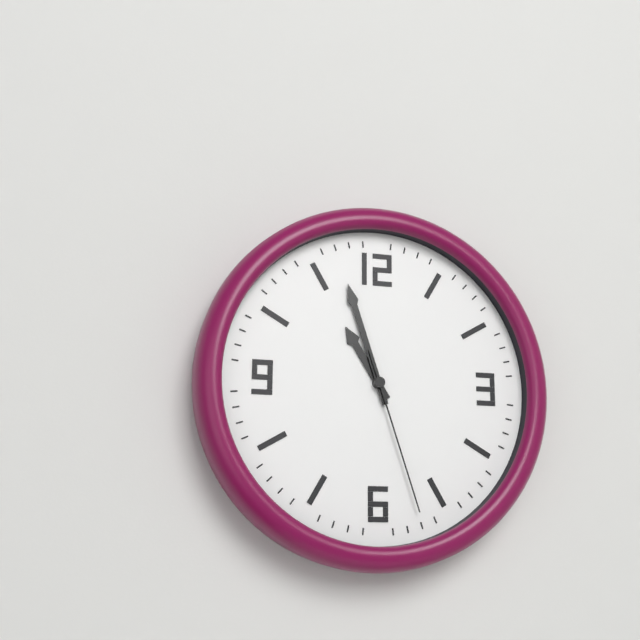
h=10 m=57 s=27
